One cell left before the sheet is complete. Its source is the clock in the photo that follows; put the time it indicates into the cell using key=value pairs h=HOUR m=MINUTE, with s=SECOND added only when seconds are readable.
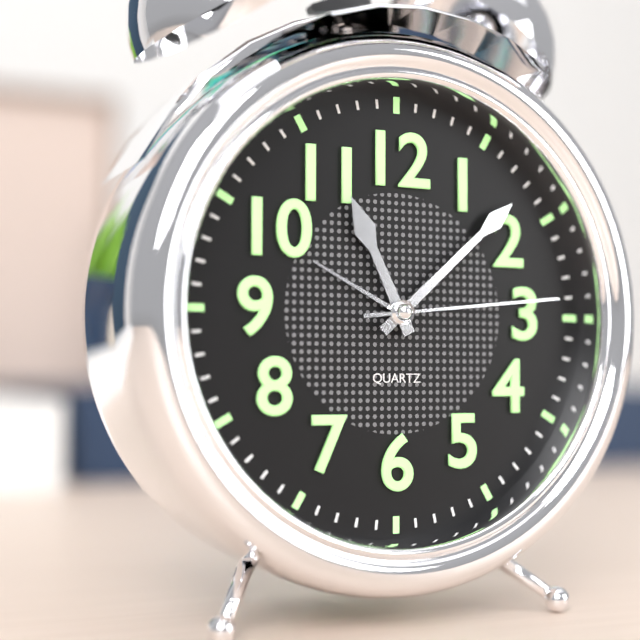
h=11 m=8 s=14
